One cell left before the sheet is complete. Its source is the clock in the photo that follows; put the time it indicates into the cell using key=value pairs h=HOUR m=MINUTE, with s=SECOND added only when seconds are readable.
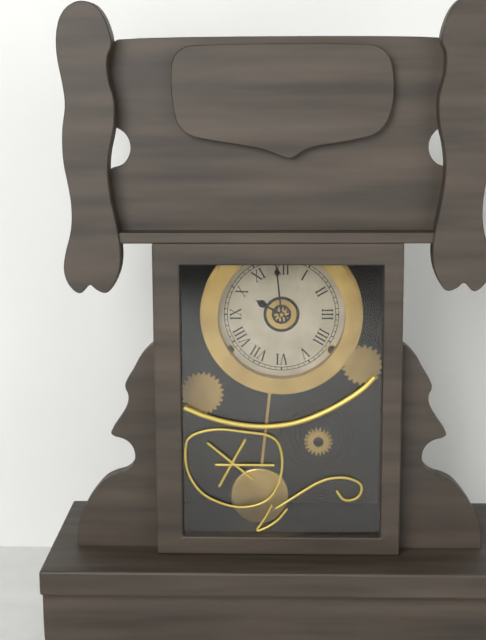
h=9 m=59
